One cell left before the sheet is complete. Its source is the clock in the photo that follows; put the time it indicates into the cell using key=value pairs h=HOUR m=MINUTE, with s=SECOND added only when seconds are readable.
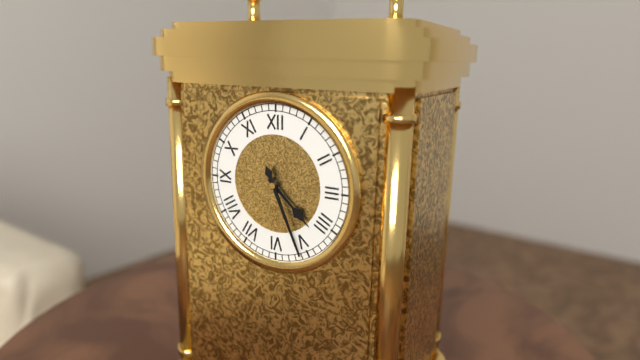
h=4 m=26
